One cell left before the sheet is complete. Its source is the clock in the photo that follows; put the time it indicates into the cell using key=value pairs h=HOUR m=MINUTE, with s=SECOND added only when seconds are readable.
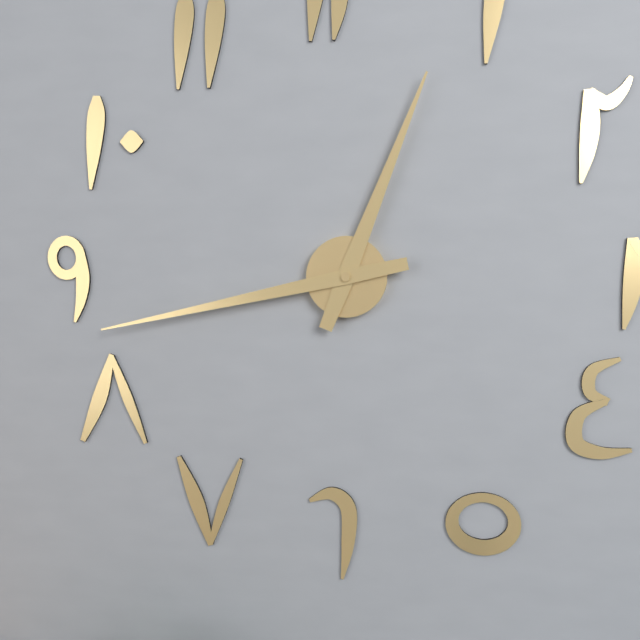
h=12 m=43
